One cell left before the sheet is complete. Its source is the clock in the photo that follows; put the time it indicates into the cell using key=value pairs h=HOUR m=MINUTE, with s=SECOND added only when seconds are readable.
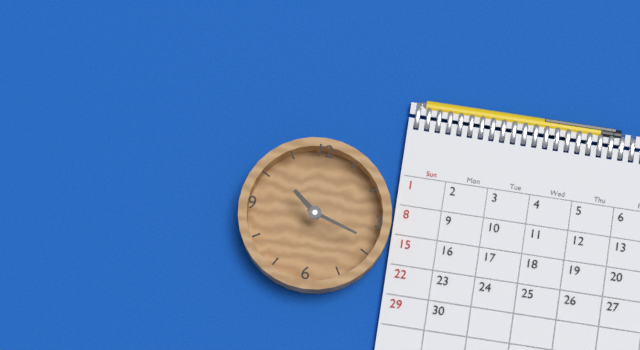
h=10 m=18
